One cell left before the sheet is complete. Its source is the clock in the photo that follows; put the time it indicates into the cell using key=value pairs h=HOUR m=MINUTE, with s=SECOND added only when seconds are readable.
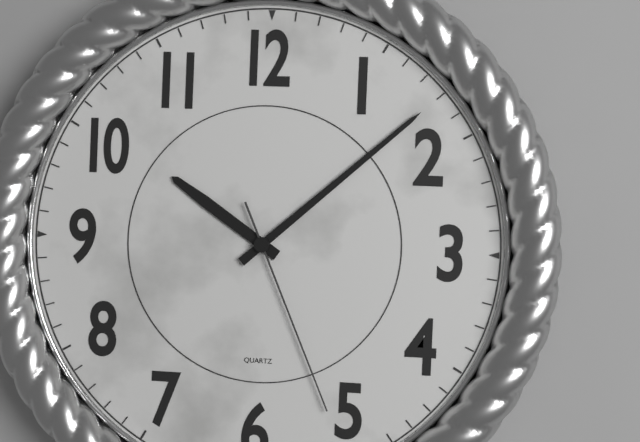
h=10 m=8 s=26
